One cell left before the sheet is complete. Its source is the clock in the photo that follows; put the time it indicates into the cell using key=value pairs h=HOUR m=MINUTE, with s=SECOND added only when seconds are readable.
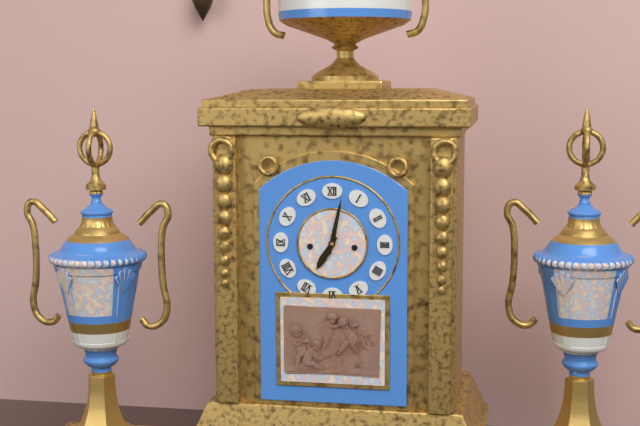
h=7 m=2
